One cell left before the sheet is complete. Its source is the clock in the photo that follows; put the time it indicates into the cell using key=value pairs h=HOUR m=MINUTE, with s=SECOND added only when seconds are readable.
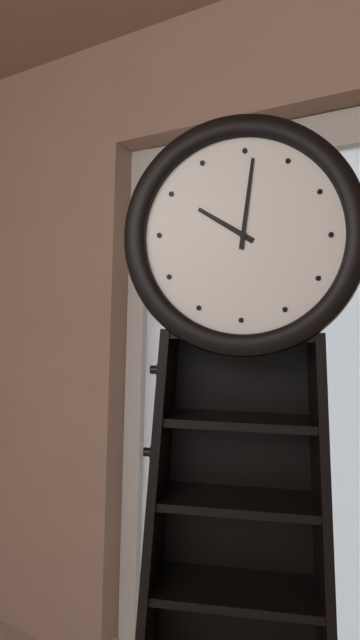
h=10 m=1
